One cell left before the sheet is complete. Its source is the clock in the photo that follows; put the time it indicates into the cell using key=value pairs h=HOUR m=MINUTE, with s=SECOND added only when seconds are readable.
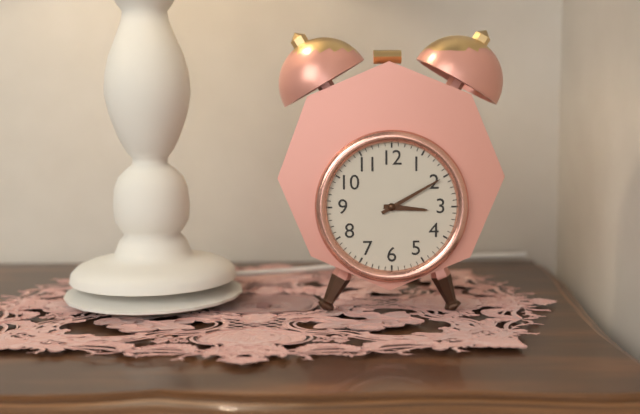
h=3 m=10
